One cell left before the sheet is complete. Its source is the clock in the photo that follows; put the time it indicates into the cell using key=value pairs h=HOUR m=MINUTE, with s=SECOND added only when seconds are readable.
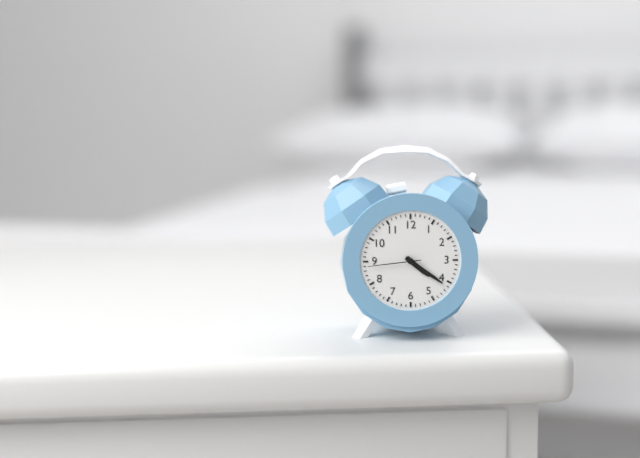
h=4 m=21 s=44
